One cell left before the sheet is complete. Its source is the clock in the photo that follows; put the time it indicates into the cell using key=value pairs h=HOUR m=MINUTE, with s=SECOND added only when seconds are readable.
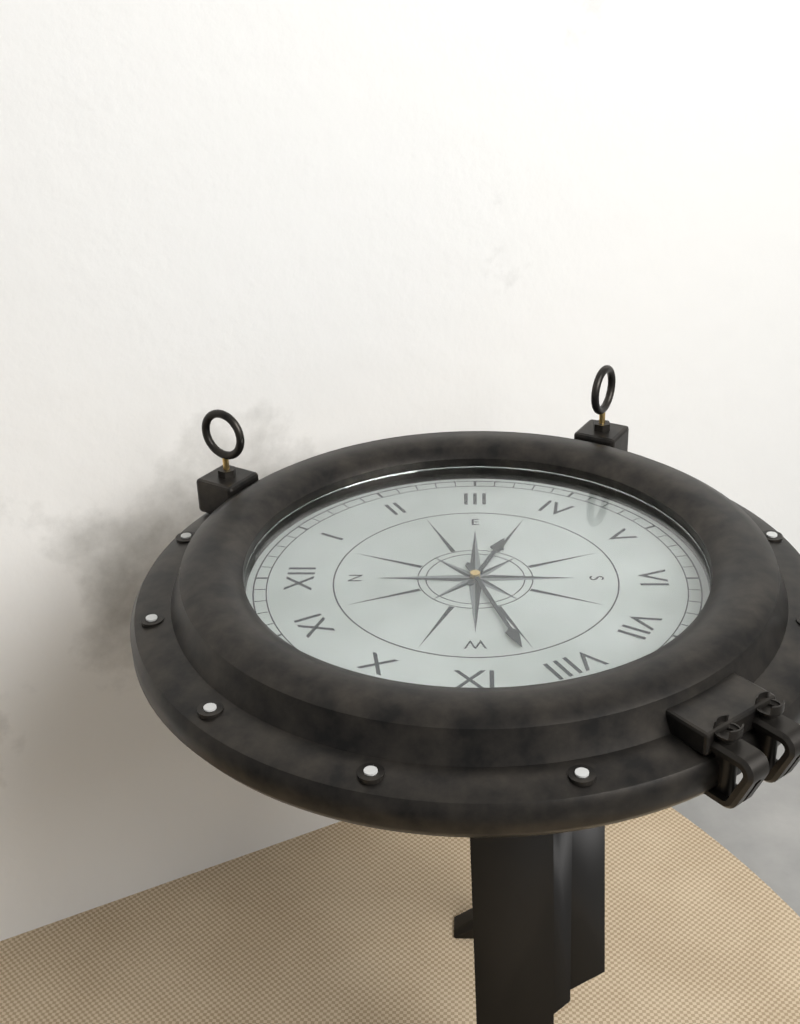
h=3 m=42
